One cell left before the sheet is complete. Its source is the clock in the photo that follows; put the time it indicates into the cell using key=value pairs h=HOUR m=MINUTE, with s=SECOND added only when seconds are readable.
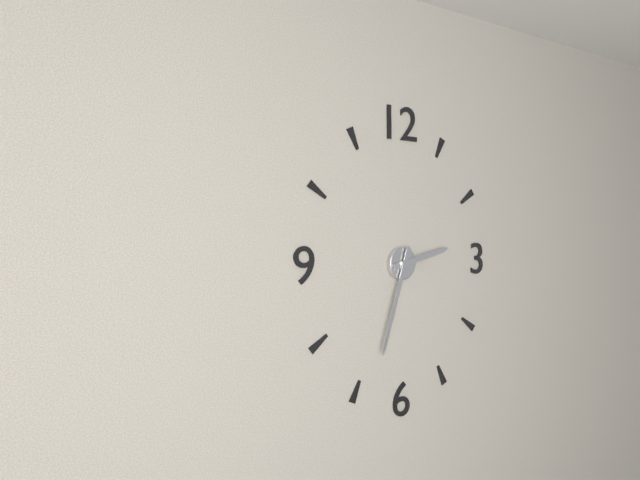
h=2 m=33
